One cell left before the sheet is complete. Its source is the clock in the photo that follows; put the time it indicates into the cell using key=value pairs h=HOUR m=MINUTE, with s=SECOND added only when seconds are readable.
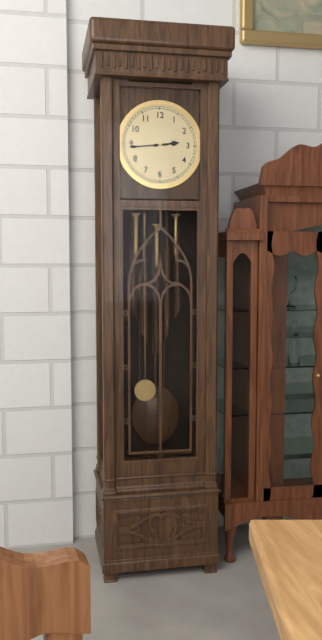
h=2 m=44
